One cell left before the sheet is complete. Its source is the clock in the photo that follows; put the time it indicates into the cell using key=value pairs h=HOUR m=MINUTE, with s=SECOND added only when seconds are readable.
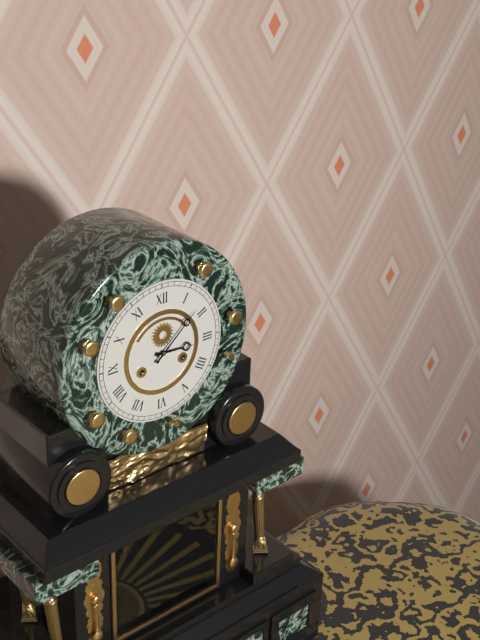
h=3 m=8
